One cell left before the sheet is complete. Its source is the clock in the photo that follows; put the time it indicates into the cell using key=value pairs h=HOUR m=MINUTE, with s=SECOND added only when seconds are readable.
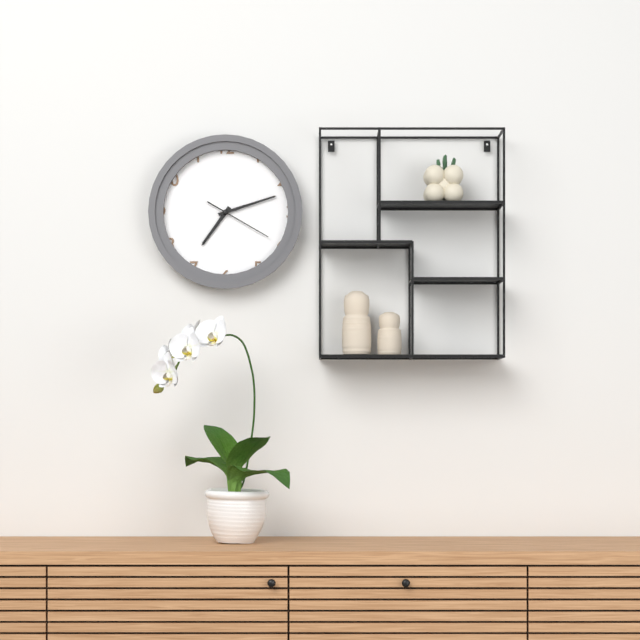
h=7 m=12 s=20
